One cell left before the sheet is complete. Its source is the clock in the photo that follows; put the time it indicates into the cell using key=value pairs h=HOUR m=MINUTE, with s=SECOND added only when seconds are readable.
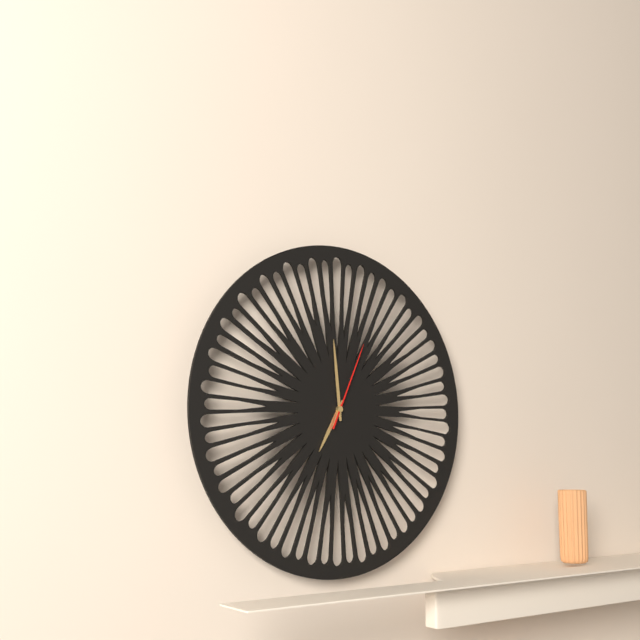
h=6 m=59 s=4
